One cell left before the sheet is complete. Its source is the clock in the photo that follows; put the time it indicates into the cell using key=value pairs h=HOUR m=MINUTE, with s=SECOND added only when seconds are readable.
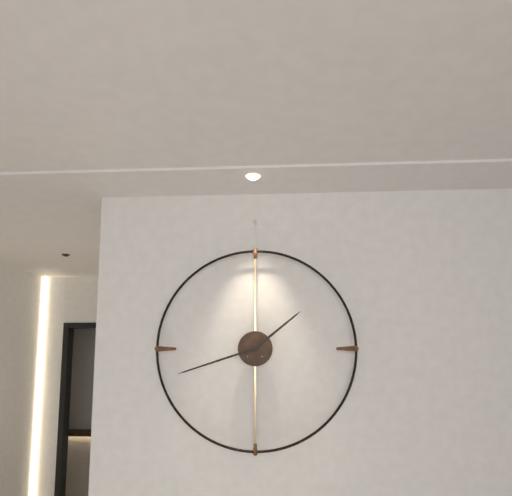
h=1 m=42
